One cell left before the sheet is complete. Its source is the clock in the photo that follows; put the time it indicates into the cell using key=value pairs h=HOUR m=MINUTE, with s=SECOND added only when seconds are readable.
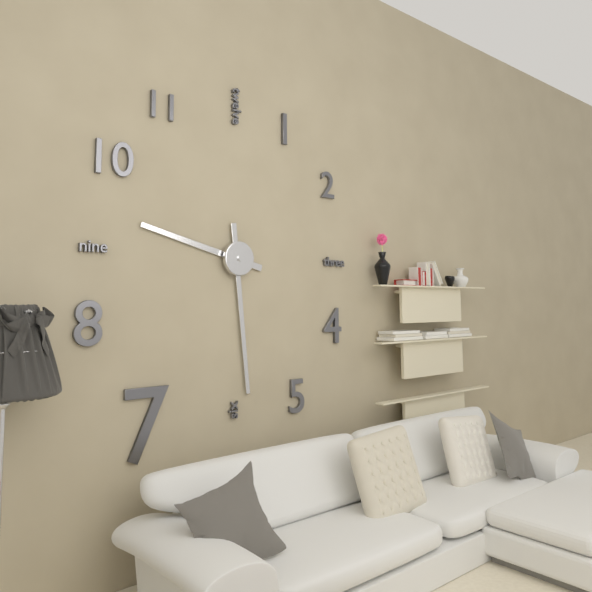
h=9 m=29
